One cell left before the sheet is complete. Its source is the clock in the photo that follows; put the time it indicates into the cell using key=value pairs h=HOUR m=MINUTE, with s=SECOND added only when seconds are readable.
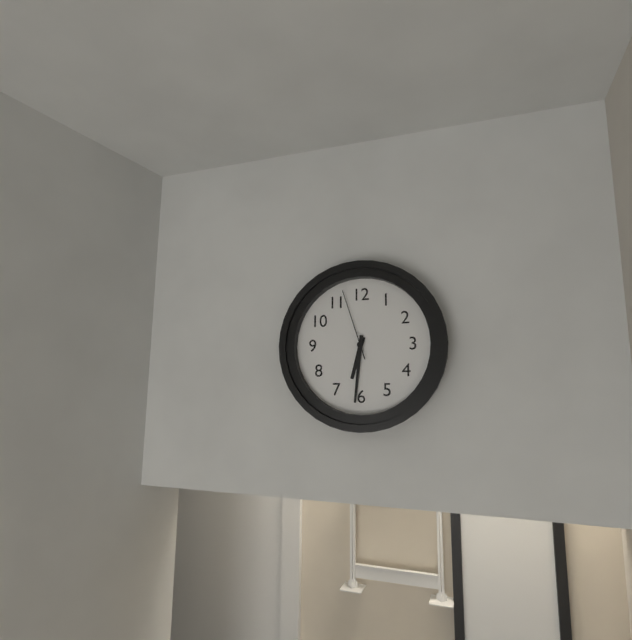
h=6 m=31 s=57
